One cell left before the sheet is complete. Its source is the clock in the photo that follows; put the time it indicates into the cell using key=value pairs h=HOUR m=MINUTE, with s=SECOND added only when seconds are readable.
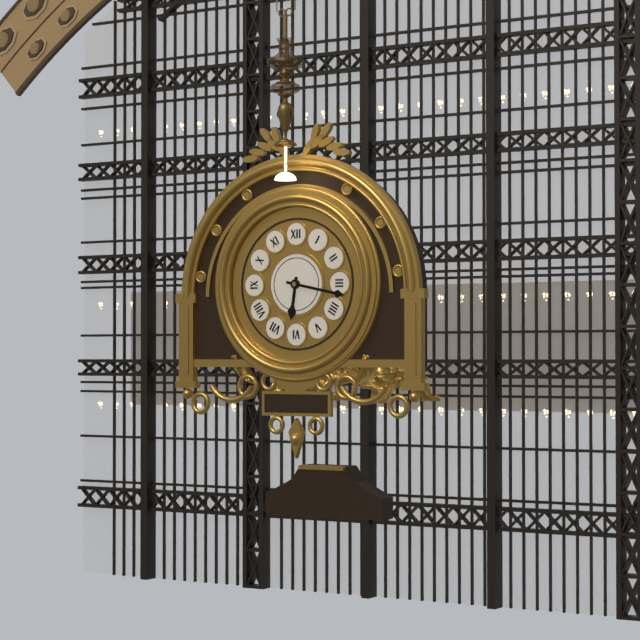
h=6 m=17
